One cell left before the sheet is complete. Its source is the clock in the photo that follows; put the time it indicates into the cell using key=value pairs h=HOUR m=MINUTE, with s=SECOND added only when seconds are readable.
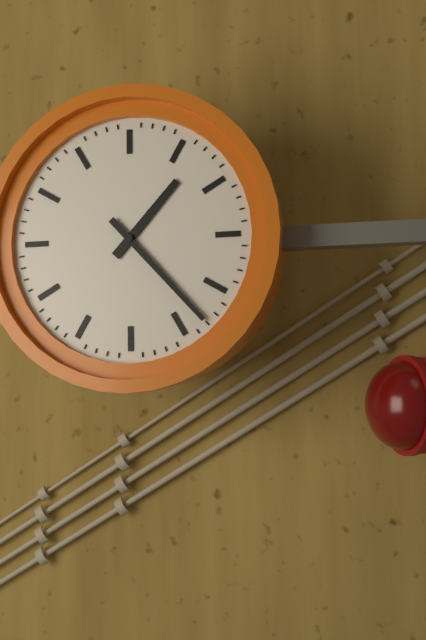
h=1 m=23
